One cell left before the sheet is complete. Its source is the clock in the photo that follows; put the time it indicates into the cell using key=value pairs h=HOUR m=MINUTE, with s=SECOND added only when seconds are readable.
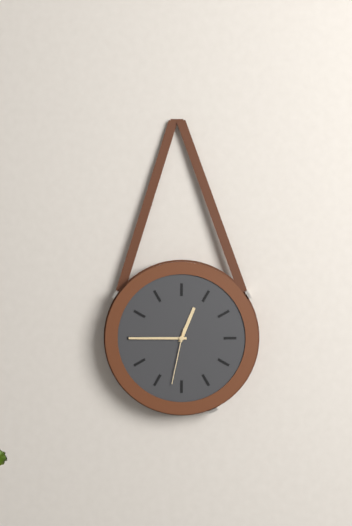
h=12 m=45 s=32
